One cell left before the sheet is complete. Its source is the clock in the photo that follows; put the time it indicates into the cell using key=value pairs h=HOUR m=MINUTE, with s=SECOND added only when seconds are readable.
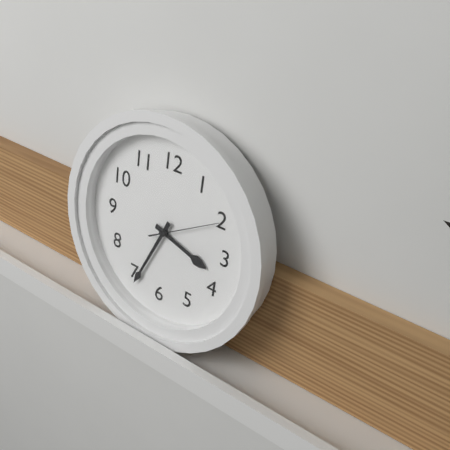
h=3 m=34 s=10
